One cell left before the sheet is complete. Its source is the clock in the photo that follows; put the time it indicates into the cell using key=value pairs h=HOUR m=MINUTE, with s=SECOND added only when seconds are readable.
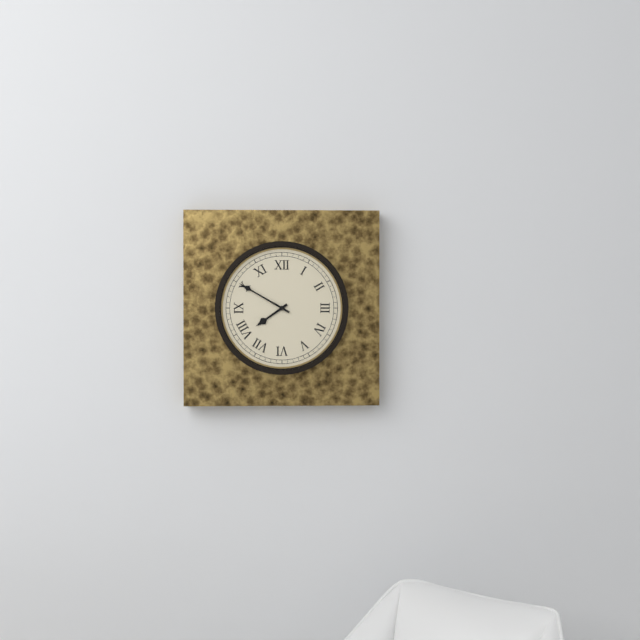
h=7 m=50
